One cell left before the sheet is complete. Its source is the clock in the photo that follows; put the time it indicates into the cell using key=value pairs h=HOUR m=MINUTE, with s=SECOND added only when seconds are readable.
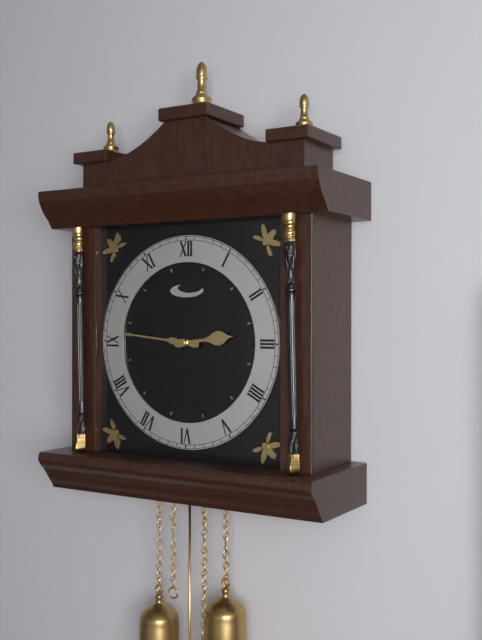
h=2 m=46
